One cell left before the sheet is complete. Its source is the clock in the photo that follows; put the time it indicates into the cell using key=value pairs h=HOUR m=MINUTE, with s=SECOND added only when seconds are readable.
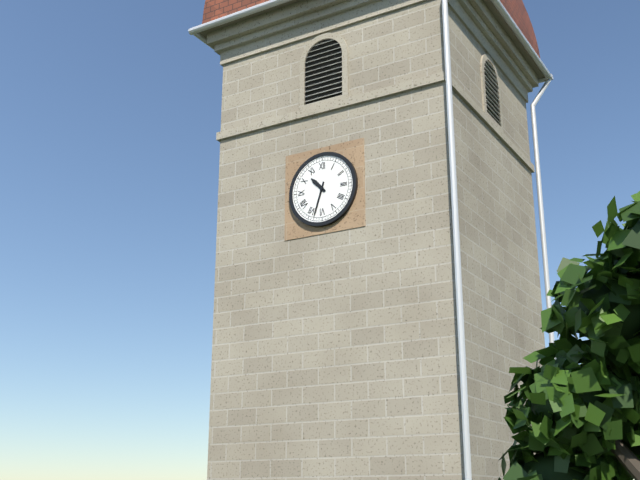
h=10 m=33
